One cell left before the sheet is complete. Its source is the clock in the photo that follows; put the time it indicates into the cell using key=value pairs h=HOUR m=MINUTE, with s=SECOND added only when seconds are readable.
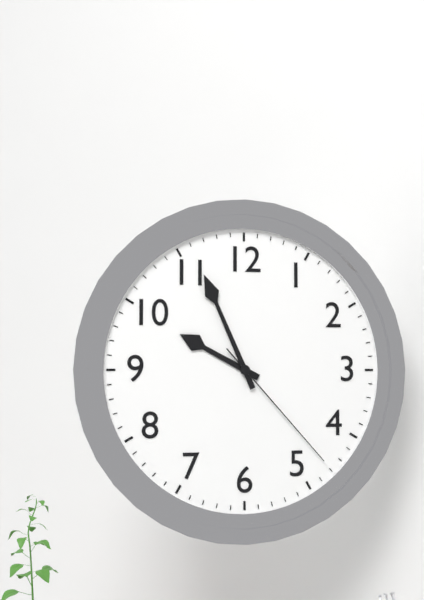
h=9 m=56 s=23
